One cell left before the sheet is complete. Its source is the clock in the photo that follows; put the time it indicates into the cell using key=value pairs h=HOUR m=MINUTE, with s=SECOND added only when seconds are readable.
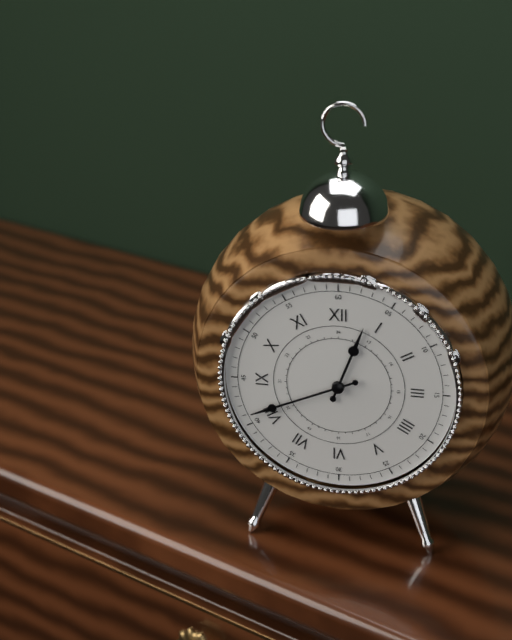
h=12 m=41
